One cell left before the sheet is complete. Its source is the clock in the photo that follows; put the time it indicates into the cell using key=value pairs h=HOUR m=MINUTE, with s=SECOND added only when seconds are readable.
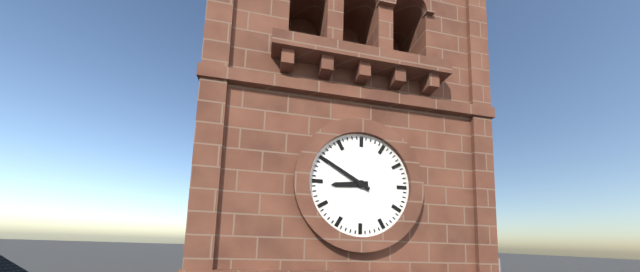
h=8 m=50
